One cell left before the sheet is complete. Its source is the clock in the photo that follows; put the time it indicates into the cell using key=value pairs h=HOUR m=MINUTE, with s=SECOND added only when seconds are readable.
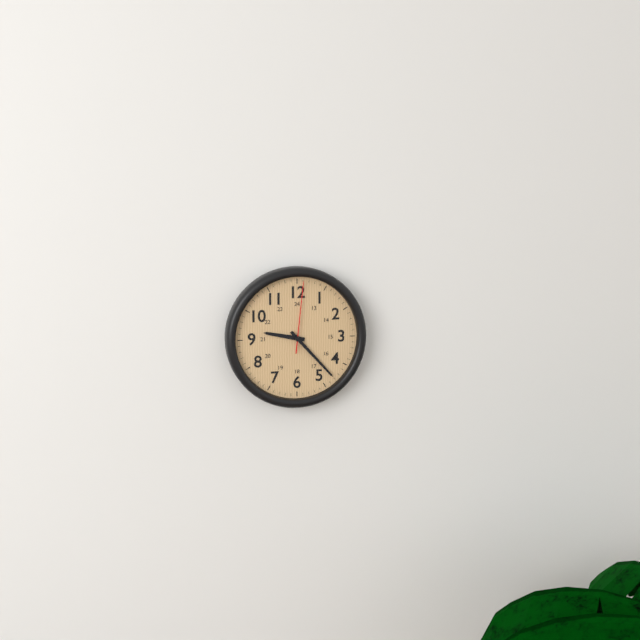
h=9 m=23 s=1
